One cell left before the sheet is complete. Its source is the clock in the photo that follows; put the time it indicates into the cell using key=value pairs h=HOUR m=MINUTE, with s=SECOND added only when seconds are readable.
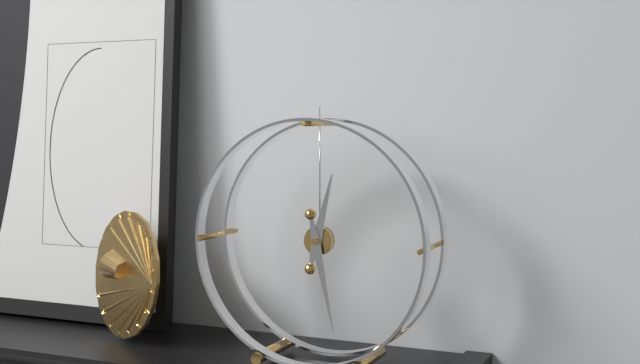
h=12 m=28
